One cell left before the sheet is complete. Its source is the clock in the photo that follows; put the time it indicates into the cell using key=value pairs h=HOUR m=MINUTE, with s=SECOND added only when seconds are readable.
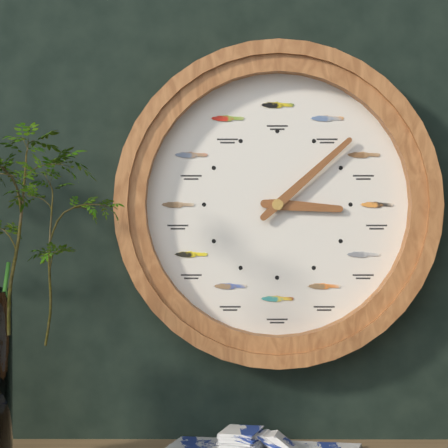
h=3 m=8
